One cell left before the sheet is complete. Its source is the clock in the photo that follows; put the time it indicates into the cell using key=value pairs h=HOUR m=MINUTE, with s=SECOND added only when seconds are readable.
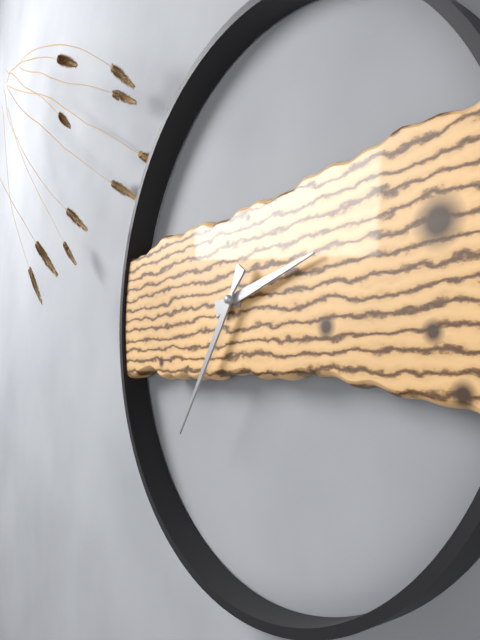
h=2 m=36
